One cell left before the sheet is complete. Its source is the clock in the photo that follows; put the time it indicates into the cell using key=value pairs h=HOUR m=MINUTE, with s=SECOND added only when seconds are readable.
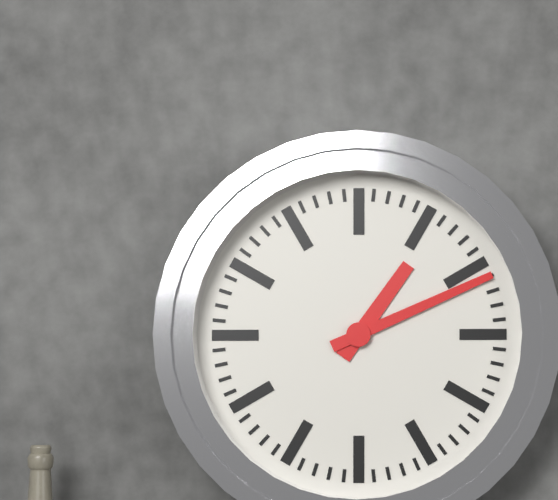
h=1 m=11
